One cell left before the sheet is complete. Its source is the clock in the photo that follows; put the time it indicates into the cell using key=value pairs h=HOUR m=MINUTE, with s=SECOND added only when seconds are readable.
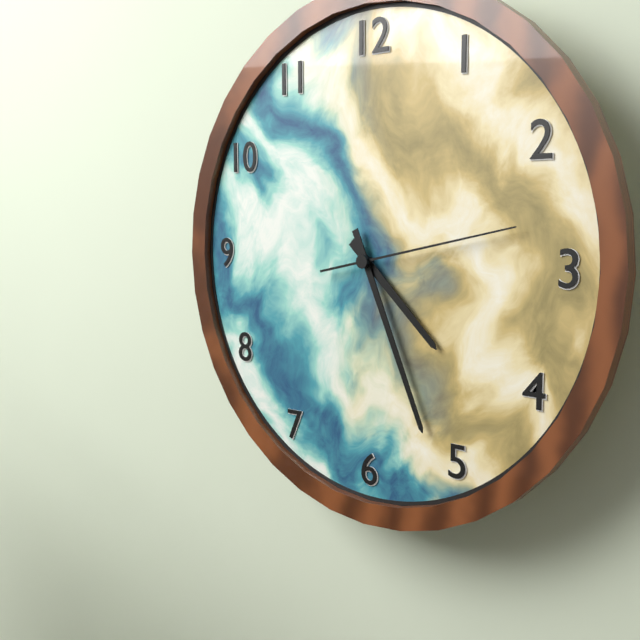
h=4 m=26 s=13
